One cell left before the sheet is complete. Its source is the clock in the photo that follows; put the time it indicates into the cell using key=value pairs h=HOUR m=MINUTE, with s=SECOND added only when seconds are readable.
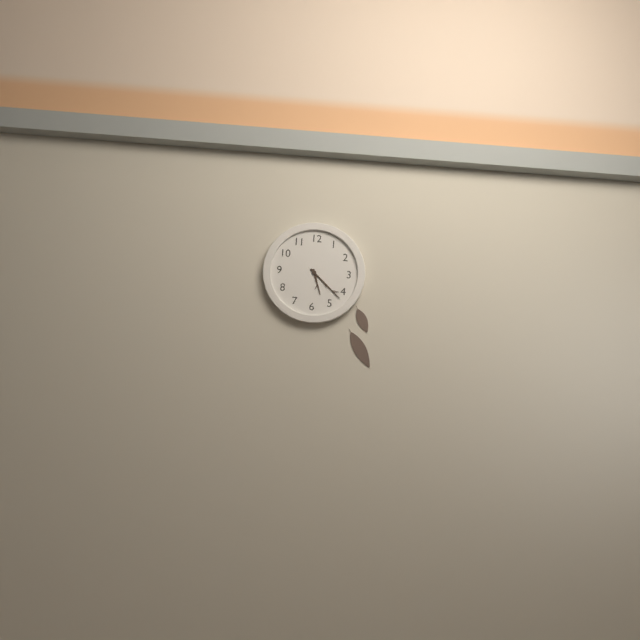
h=5 m=22
